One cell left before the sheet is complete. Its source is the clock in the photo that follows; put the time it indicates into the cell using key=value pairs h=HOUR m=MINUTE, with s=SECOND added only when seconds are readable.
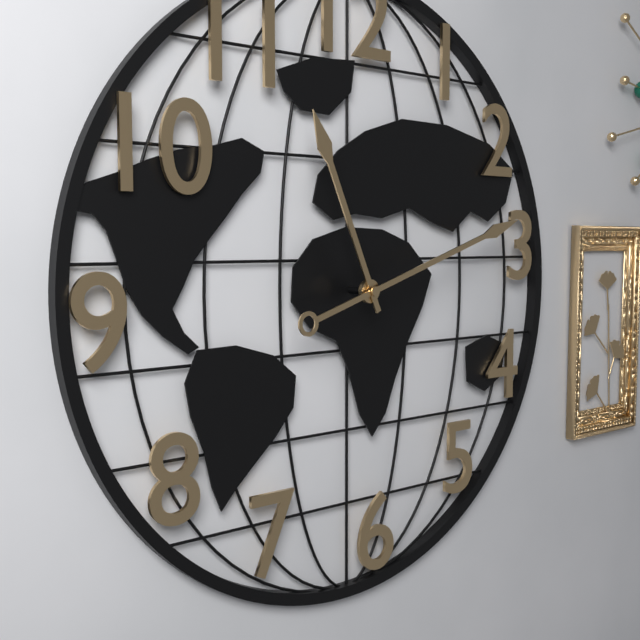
h=11 m=12
